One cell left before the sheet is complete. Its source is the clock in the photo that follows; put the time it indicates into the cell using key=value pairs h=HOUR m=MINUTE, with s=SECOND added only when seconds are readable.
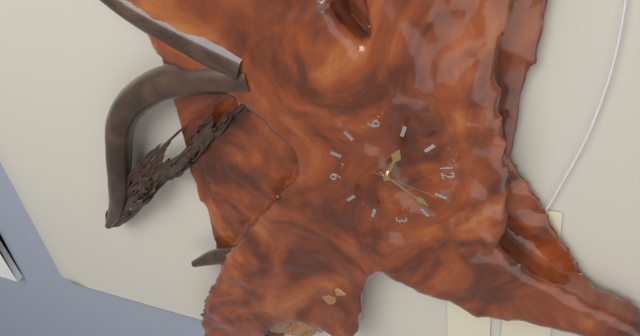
h=10 m=8 s=5
